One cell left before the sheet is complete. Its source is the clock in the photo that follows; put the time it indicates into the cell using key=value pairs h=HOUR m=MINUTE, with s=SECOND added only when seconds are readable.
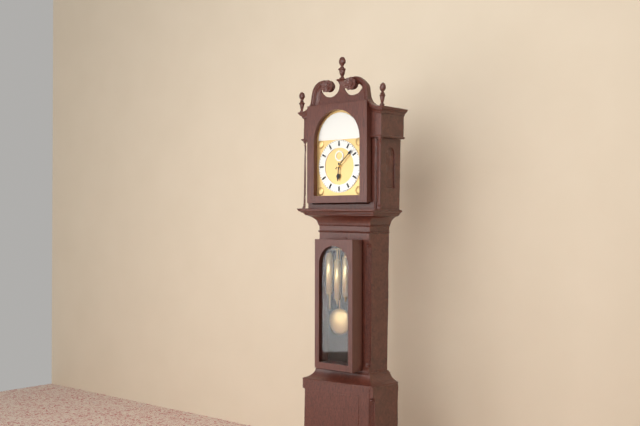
h=6 m=8
